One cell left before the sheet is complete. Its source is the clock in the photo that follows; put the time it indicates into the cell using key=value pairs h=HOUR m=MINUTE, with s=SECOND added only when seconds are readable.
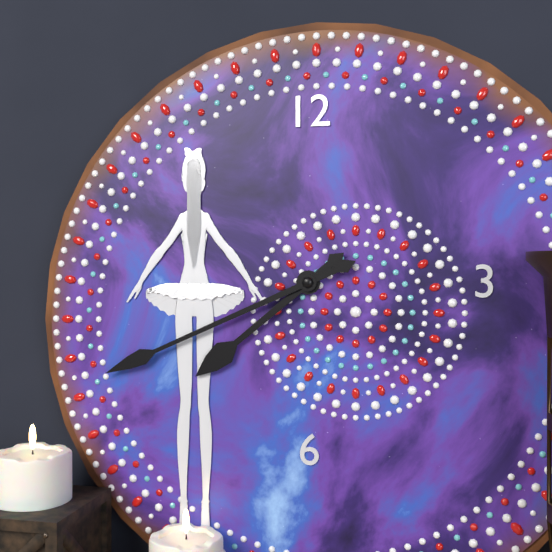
h=7 m=41
